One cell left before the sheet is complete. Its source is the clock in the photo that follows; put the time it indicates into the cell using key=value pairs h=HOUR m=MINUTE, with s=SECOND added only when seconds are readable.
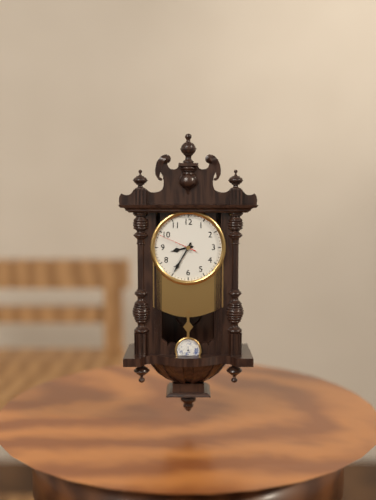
h=8 m=35
